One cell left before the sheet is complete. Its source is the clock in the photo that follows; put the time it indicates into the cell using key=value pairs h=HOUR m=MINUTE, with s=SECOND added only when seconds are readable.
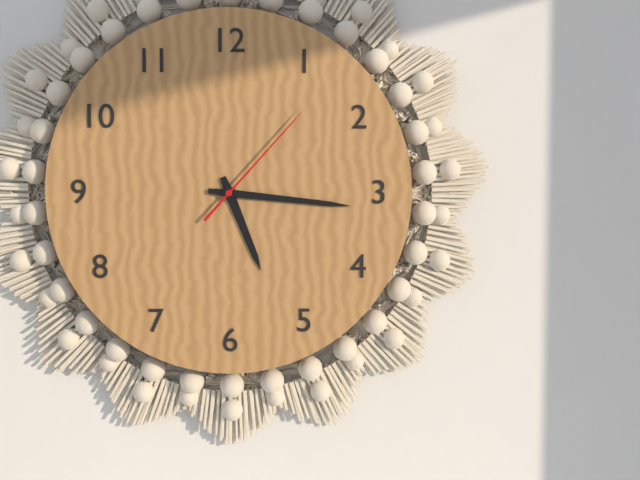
h=5 m=16 s=7
